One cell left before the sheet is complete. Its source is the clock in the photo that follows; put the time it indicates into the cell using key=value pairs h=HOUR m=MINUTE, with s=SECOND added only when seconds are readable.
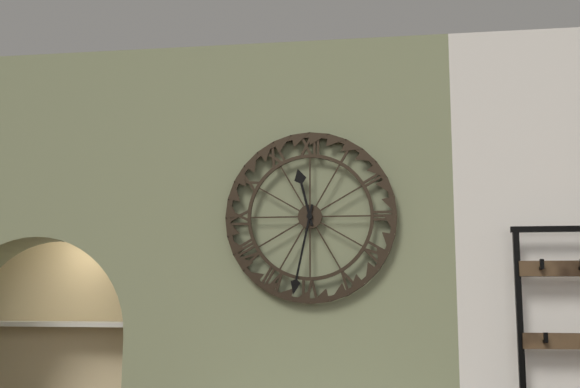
h=11 m=32
